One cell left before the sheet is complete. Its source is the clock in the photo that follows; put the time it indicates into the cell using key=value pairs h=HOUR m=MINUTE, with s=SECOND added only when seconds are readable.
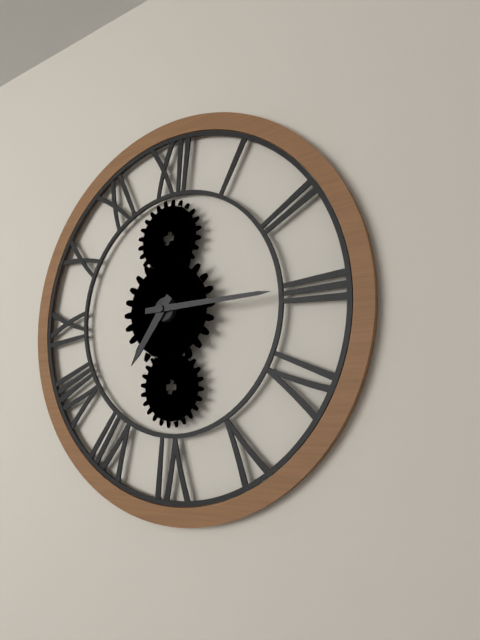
h=7 m=15
